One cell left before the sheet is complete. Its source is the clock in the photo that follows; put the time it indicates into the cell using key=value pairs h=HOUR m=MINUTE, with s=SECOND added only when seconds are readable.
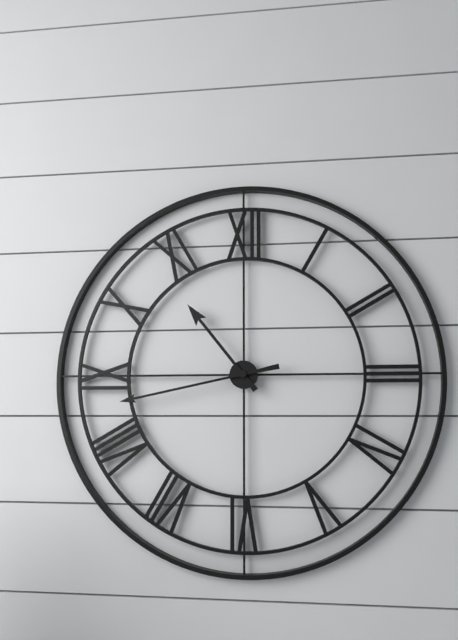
h=10 m=43
